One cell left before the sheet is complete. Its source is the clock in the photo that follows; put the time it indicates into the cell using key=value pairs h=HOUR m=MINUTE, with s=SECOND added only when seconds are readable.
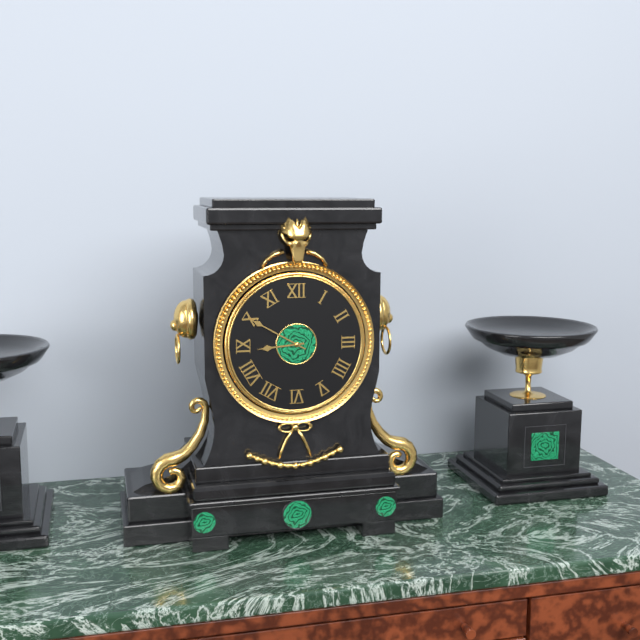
h=8 m=50
